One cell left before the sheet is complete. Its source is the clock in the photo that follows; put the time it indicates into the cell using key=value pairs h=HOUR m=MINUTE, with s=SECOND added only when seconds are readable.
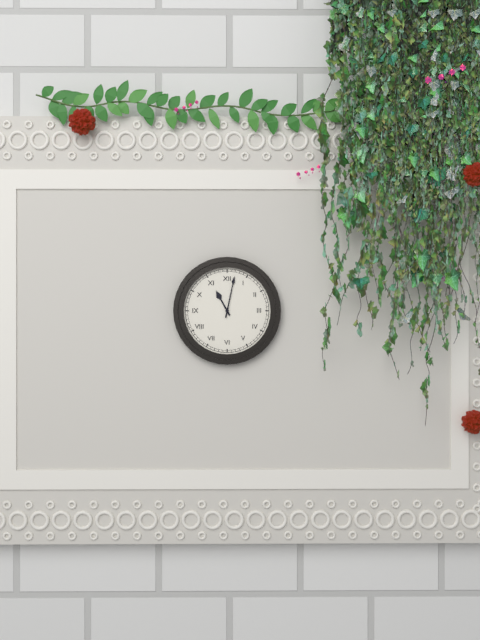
h=11 m=2
